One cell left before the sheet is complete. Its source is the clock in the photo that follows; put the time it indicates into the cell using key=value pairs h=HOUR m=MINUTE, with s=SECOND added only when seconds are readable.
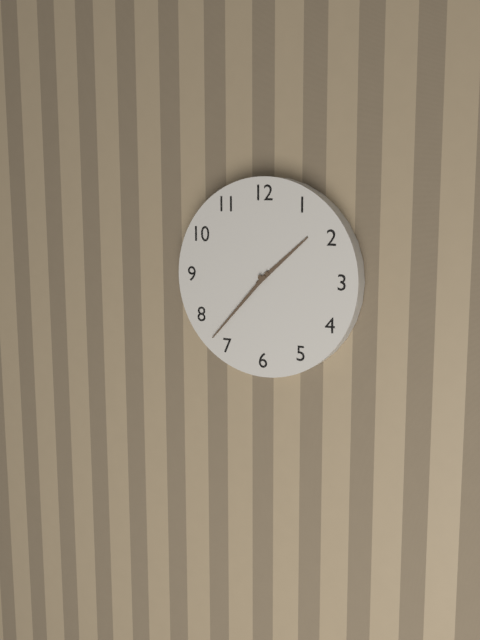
h=1 m=37
